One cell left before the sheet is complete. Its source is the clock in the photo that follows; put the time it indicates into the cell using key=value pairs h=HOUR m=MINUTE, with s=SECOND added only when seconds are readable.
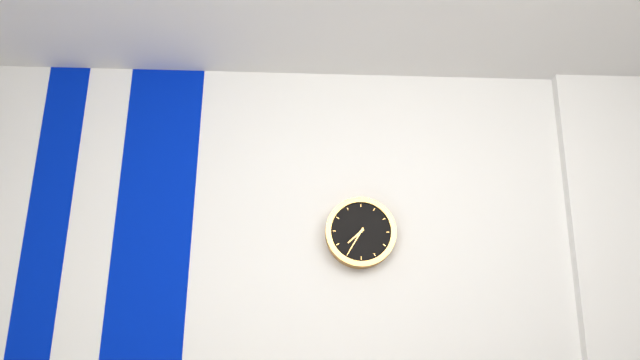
h=7 m=35
